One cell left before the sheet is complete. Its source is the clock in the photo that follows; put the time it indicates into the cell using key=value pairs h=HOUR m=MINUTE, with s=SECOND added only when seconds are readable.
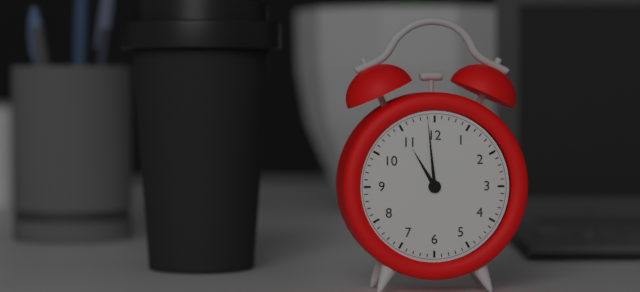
h=10 m=59
